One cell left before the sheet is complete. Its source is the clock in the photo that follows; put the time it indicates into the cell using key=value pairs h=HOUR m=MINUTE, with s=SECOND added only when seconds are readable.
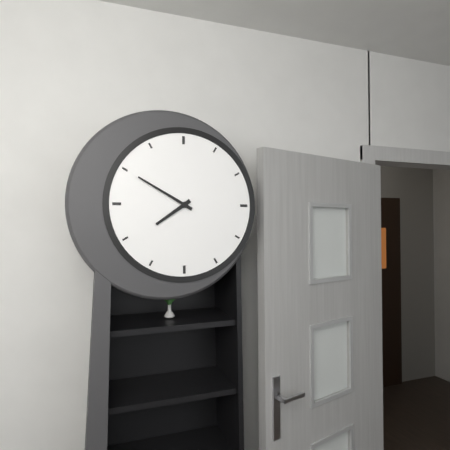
h=7 m=50
